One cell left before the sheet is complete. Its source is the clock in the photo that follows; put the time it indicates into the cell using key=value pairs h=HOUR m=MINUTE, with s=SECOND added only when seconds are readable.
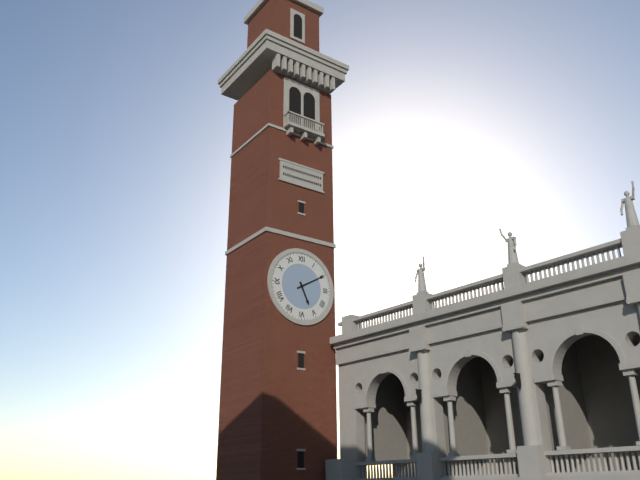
h=5 m=10
